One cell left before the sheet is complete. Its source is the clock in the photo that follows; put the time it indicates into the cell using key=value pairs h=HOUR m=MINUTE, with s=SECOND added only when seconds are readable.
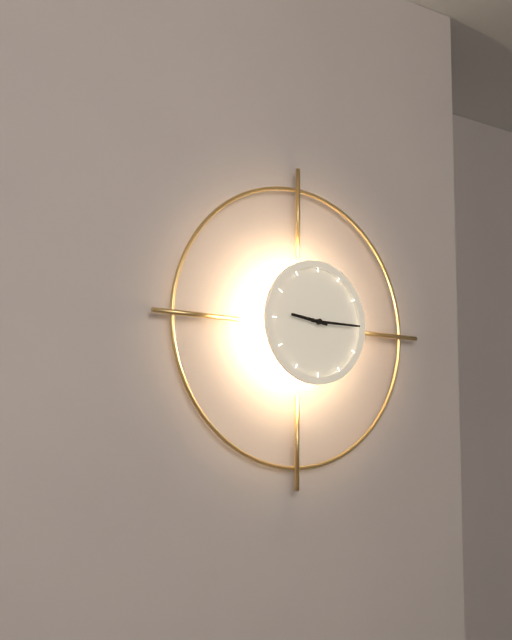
h=9 m=15
